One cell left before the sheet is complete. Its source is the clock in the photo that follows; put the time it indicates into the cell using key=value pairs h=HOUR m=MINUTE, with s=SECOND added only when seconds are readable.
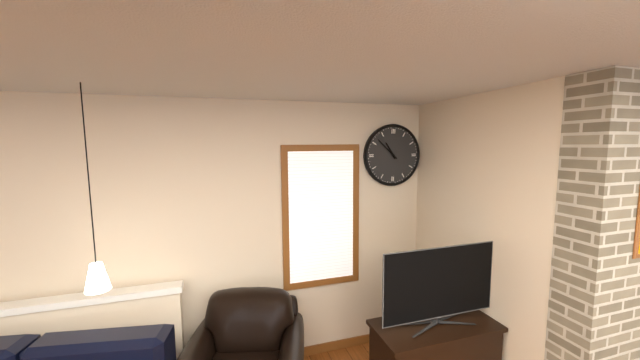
h=10 m=52
